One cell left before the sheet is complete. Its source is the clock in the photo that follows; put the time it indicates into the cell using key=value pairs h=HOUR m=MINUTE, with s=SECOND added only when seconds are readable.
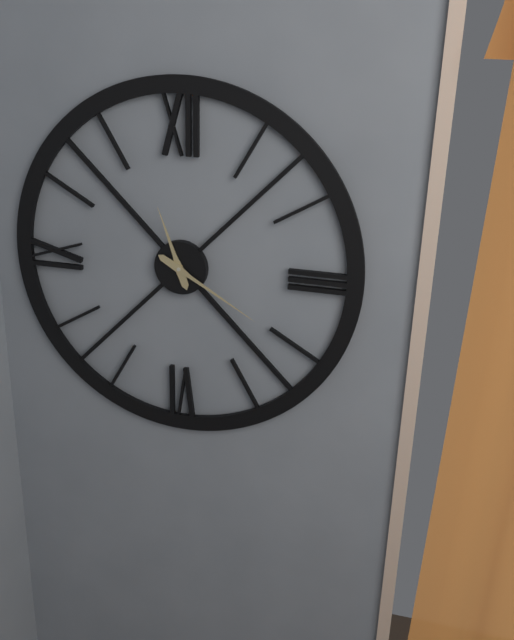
h=11 m=20
